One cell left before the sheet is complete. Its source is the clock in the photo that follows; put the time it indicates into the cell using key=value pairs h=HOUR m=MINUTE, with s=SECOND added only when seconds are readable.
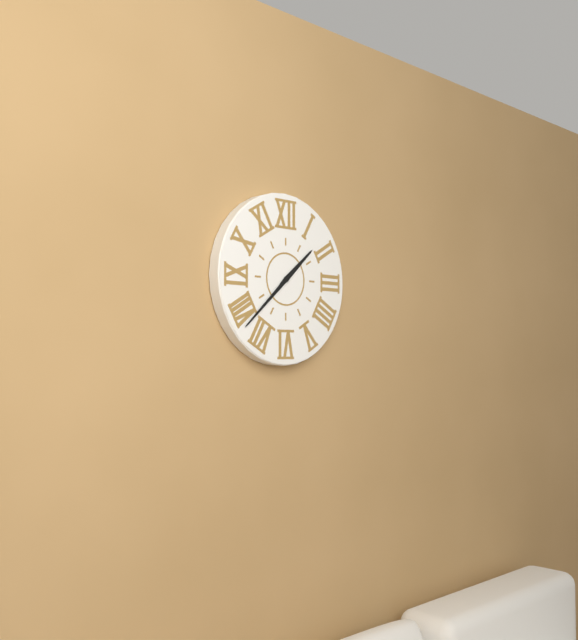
h=1 m=38
